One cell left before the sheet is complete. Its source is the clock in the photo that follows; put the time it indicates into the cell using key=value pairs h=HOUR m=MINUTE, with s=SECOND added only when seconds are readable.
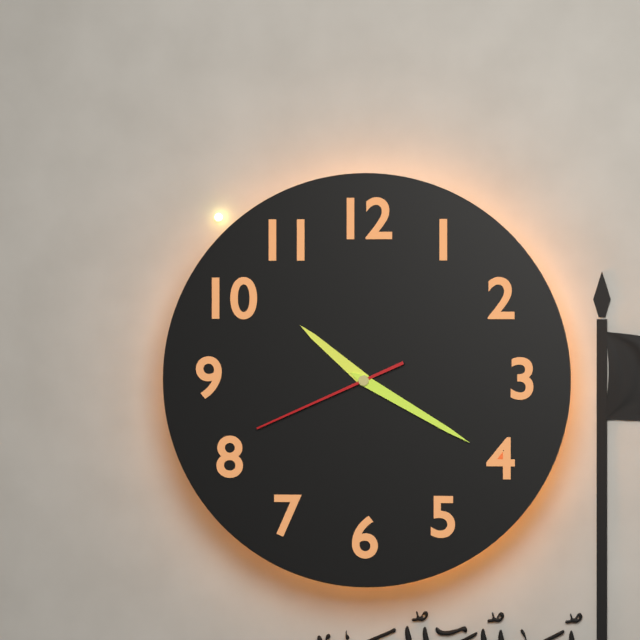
h=10 m=20 s=41
